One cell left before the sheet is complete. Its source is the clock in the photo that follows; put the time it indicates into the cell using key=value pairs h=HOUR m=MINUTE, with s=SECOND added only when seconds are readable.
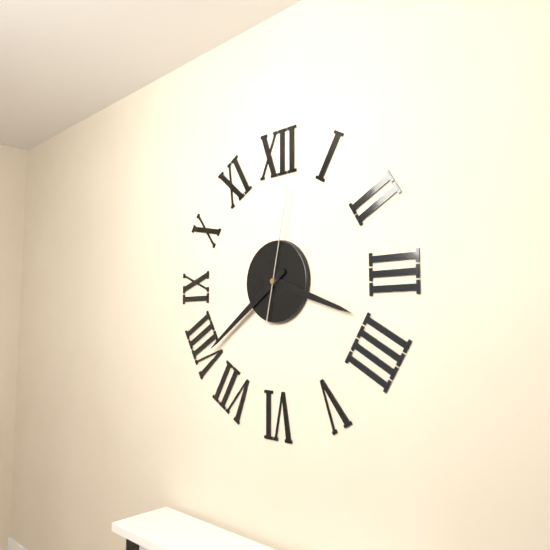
h=3 m=39 s=2
